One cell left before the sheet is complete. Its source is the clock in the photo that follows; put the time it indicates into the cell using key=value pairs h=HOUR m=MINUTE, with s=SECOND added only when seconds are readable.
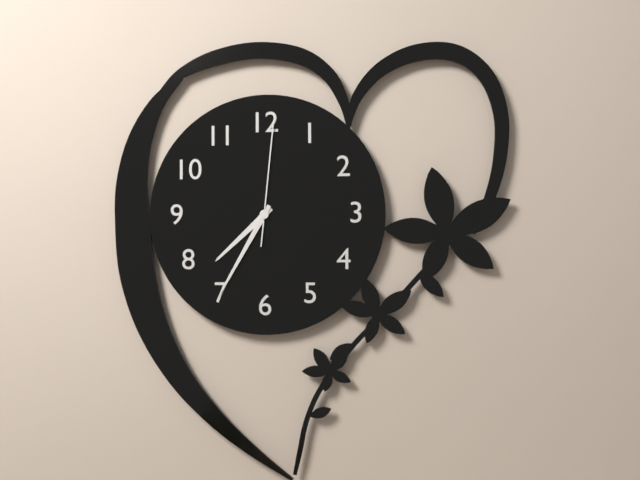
h=7 m=35 s=1
